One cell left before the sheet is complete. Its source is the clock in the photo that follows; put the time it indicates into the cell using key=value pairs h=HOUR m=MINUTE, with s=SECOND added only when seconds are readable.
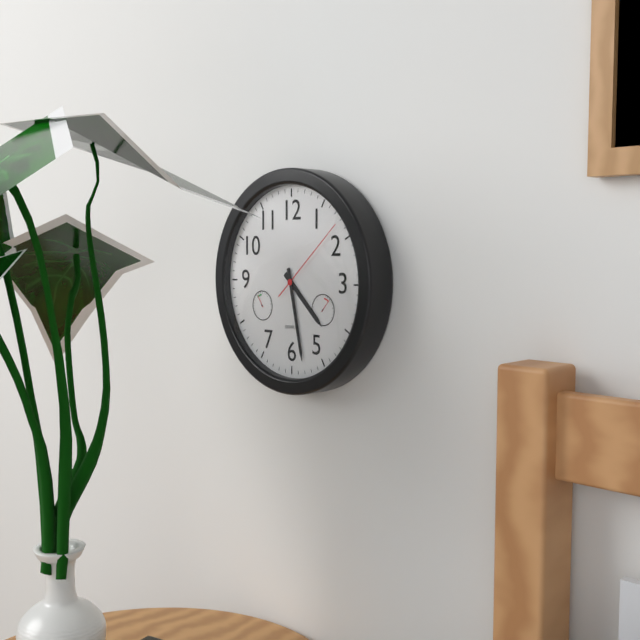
h=4 m=28 s=8
